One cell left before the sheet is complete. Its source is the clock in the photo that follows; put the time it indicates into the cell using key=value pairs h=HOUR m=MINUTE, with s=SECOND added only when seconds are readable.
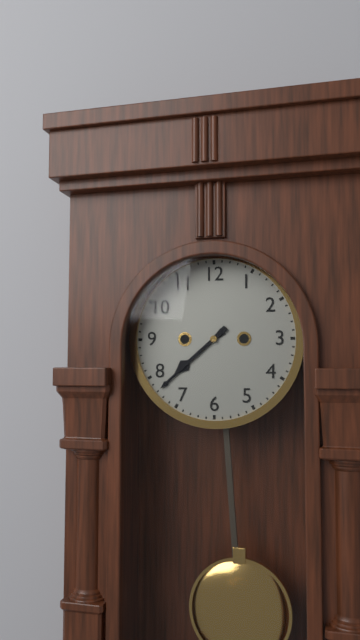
h=7 m=38
